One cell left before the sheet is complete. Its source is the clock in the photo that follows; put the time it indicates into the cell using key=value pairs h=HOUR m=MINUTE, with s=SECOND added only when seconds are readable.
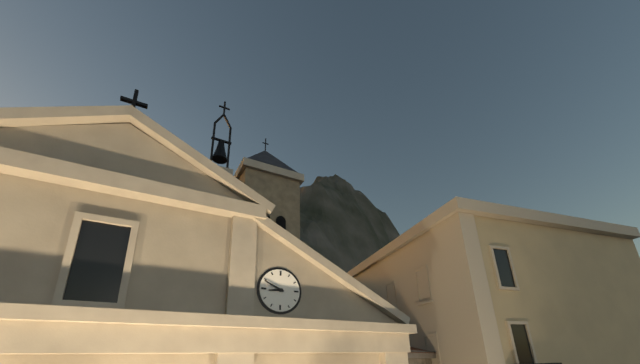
h=8 m=49
